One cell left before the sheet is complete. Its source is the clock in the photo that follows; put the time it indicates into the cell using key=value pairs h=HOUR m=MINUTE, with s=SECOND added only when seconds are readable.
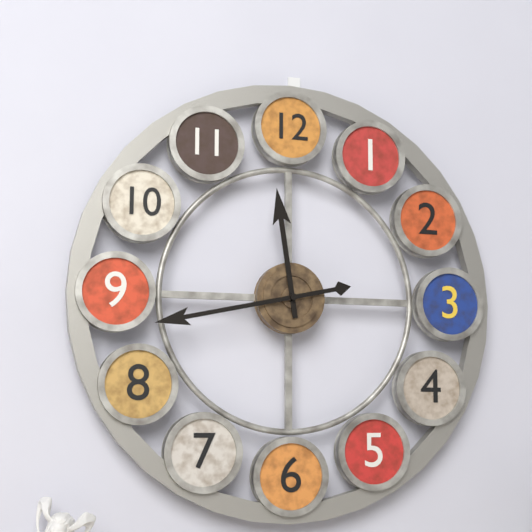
h=11 m=43
